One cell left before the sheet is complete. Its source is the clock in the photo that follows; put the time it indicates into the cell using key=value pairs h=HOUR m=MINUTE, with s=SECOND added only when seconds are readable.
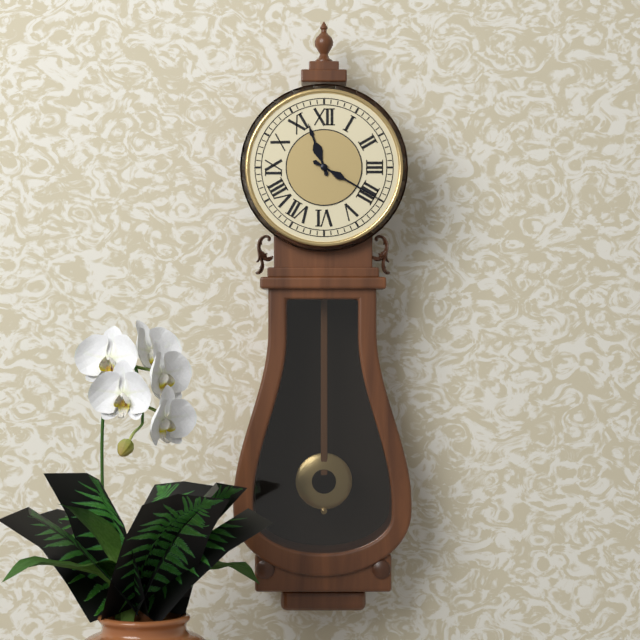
h=11 m=20
